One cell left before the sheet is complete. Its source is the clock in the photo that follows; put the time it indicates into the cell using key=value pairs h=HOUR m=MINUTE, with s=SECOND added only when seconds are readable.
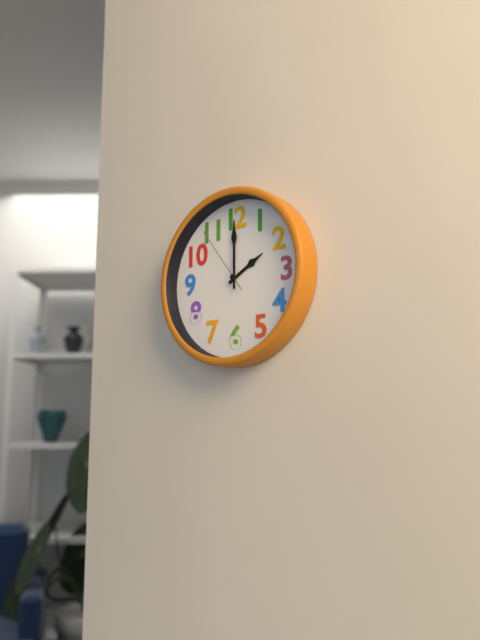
h=2 m=0 s=54
